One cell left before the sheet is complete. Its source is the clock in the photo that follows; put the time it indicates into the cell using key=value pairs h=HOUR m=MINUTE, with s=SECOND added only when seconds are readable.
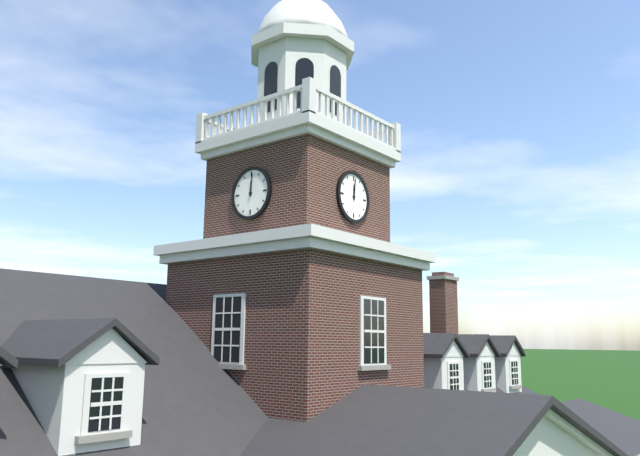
h=12 m=1
